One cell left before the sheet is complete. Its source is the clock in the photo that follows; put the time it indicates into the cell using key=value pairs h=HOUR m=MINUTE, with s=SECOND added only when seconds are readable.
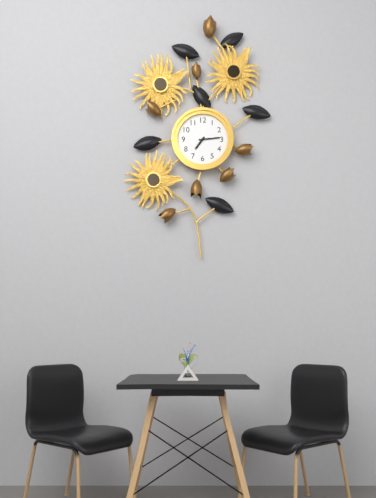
h=7 m=14
